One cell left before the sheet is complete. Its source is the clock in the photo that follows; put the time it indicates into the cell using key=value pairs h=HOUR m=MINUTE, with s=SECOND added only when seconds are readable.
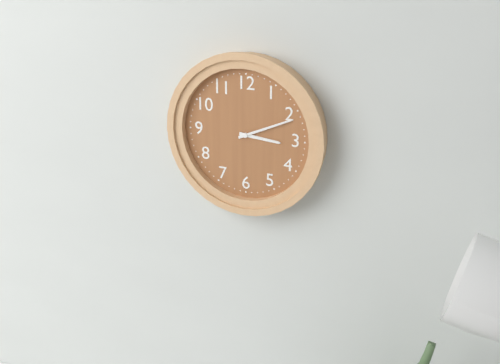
h=3 m=11
